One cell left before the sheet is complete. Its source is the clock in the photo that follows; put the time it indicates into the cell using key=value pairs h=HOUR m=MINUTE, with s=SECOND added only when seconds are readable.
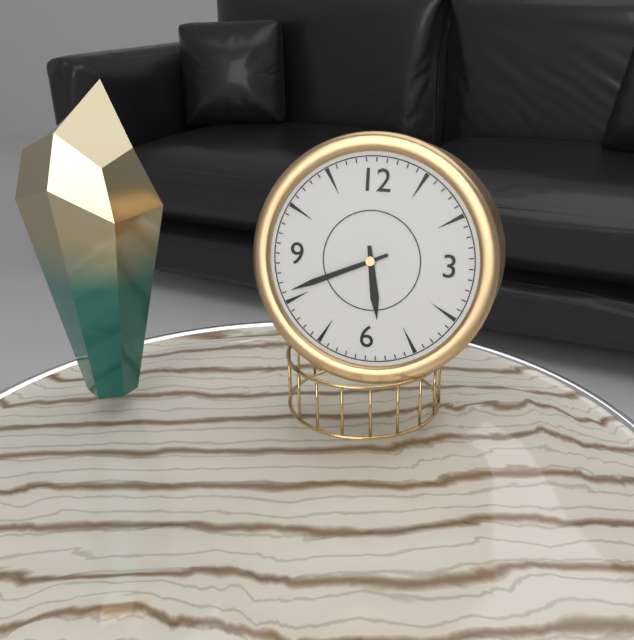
h=5 m=41
